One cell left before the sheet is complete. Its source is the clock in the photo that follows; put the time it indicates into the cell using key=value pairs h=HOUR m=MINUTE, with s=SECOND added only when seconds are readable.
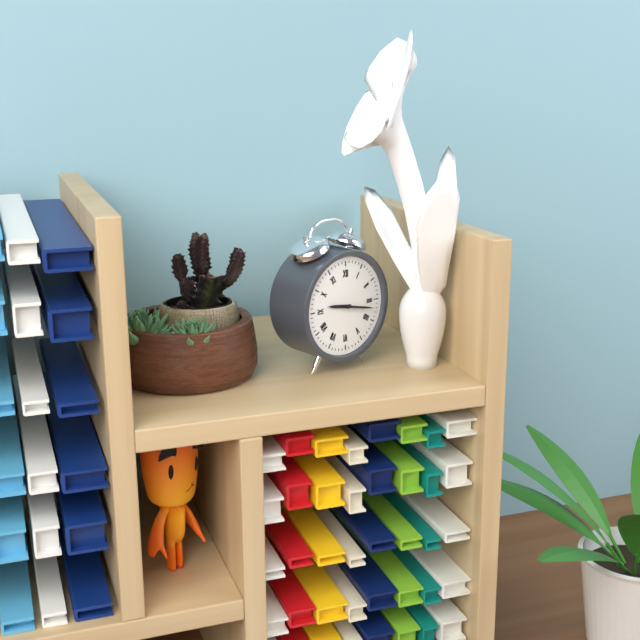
h=9 m=17
